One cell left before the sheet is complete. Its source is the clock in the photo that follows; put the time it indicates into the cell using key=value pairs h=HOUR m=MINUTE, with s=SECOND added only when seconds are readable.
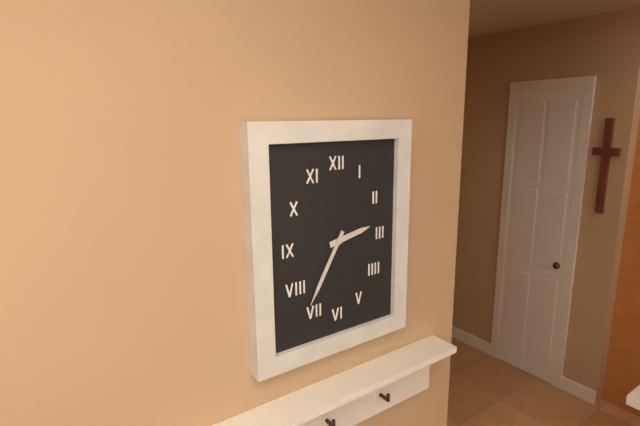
h=2 m=35
